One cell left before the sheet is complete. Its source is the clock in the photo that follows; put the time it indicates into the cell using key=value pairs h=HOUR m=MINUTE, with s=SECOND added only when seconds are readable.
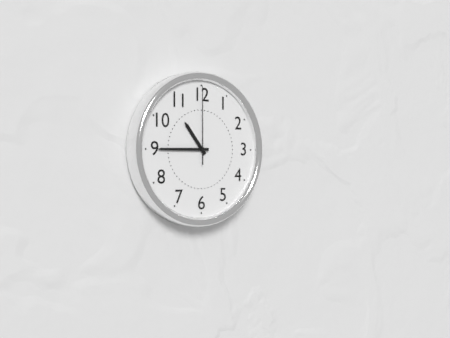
h=10 m=45 s=0
